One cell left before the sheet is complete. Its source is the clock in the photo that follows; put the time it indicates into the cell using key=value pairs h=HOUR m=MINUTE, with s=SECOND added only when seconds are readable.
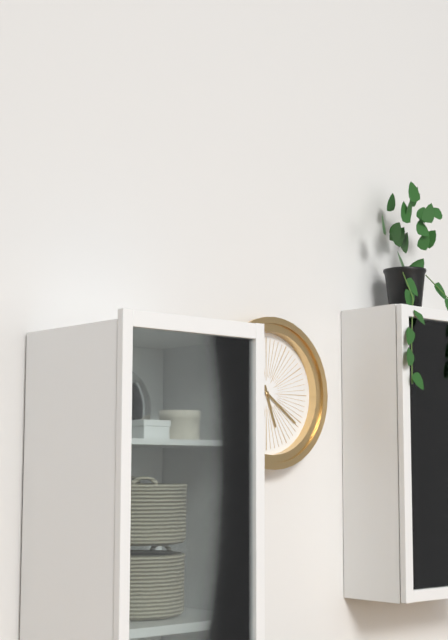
h=5 m=21
